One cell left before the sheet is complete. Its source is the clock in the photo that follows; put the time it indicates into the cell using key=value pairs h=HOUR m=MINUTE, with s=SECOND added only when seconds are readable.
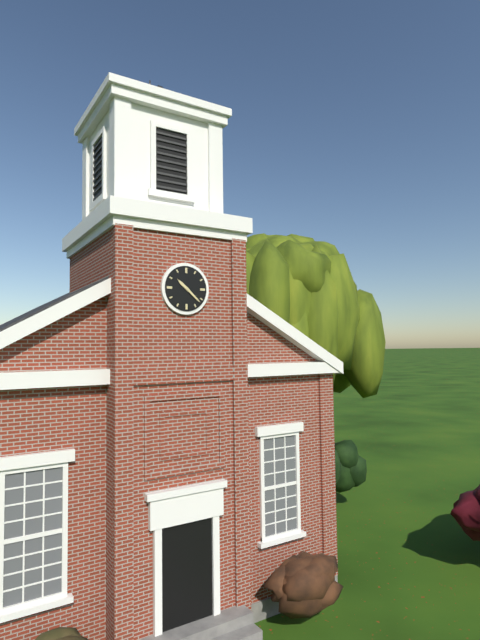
h=10 m=22
